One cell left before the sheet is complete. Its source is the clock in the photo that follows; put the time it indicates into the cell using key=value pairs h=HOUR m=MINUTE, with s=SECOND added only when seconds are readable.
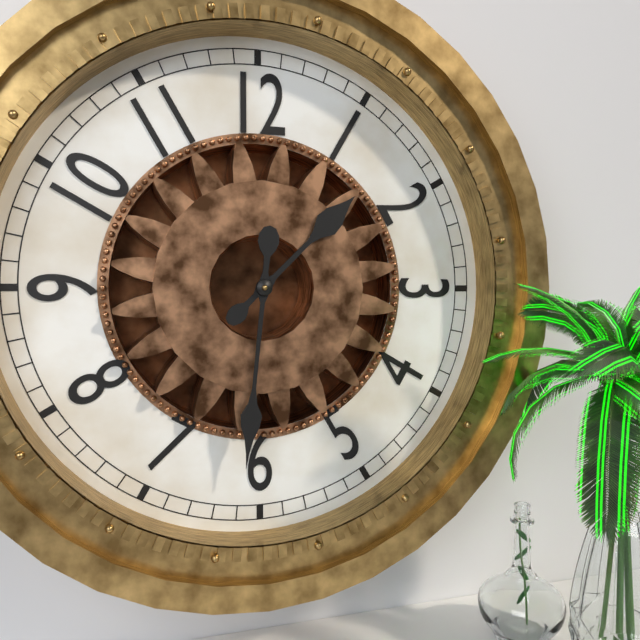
h=1 m=31
